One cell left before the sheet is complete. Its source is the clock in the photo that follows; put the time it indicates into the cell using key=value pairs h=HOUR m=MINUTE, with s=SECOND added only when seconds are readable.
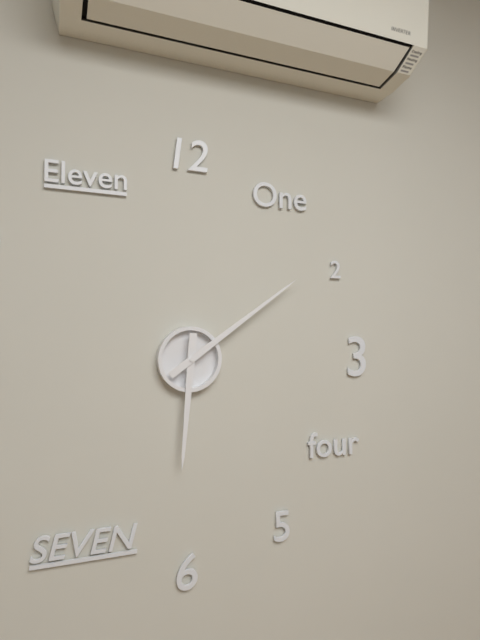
h=6 m=9
